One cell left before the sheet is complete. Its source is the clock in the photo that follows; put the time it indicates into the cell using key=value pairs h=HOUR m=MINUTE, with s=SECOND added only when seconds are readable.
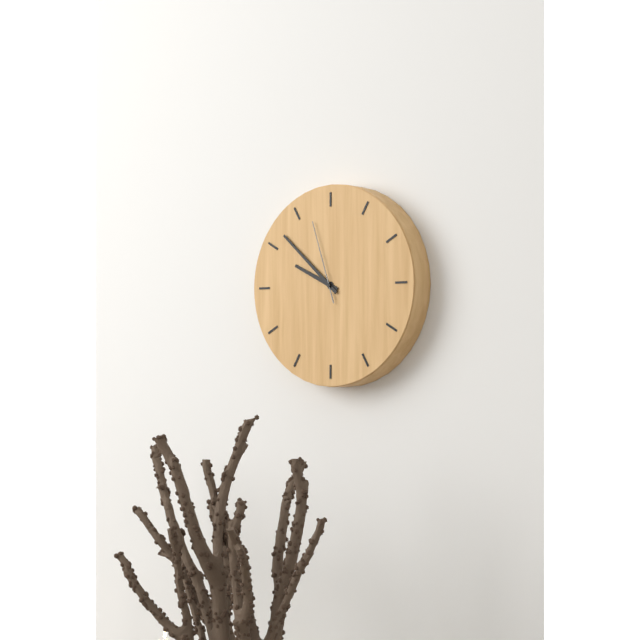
h=9 m=52 s=57
